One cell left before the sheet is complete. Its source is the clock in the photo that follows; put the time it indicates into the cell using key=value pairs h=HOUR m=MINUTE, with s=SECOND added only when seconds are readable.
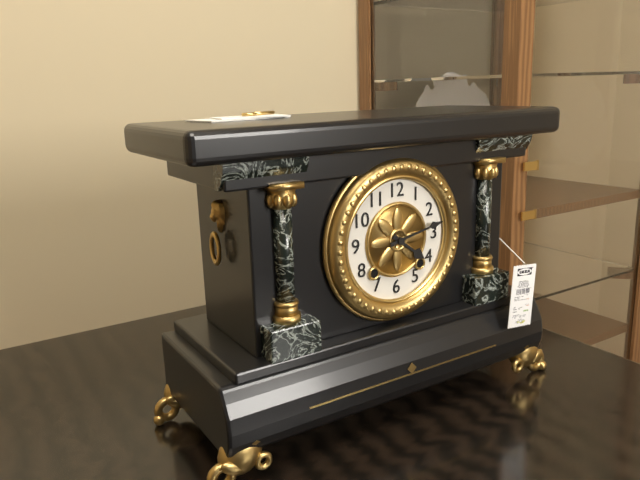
h=4 m=13
